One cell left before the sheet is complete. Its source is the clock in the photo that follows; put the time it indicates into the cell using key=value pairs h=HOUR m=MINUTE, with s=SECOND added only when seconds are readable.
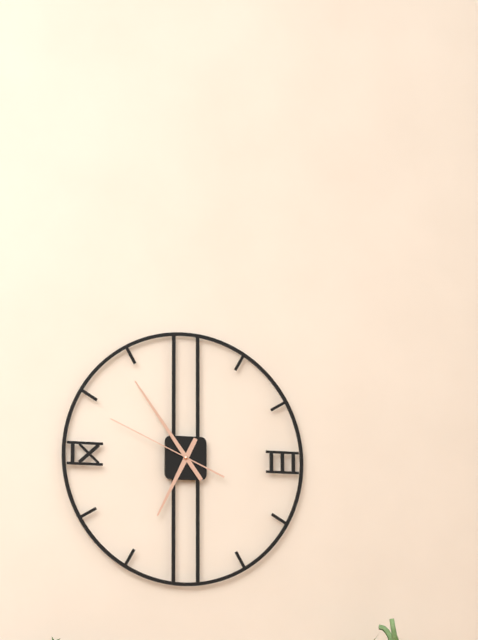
h=6 m=54 s=49
